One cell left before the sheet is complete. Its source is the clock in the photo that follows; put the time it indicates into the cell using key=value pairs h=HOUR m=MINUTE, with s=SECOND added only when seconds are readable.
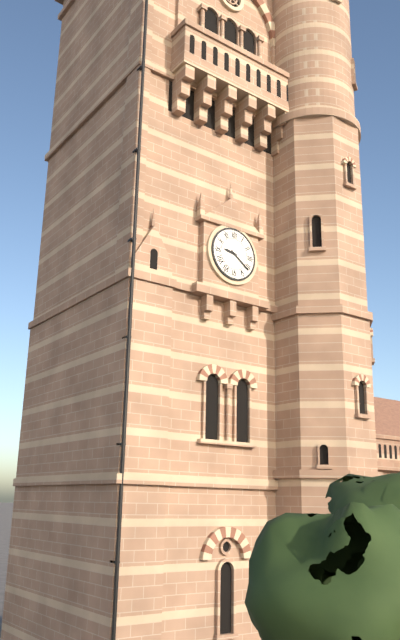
h=9 m=21
